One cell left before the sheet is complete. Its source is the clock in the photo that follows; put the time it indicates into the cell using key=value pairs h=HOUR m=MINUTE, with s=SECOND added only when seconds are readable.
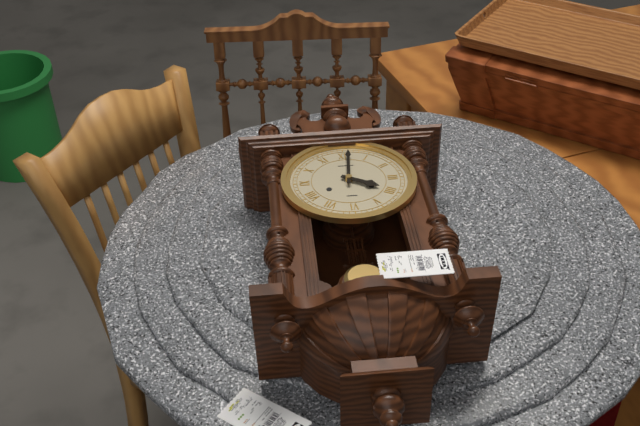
h=4 m=1
